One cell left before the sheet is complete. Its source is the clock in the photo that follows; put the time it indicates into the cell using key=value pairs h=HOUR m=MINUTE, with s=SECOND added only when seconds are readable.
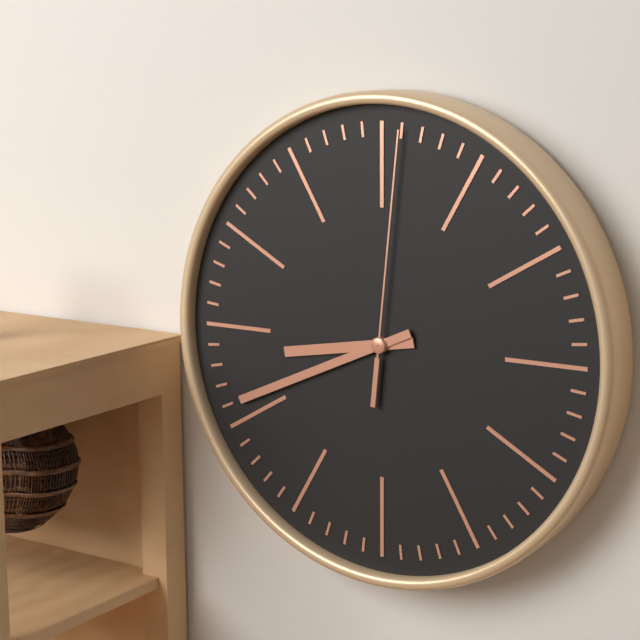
h=8 m=41 s=1
